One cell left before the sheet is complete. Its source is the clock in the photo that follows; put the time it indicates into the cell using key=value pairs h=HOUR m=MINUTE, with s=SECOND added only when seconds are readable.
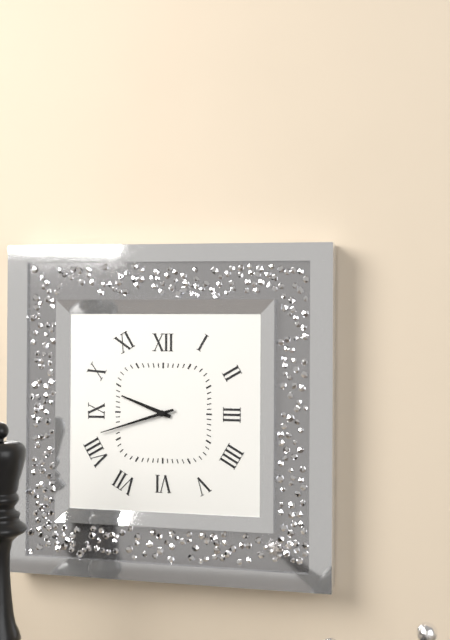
h=9 m=42
